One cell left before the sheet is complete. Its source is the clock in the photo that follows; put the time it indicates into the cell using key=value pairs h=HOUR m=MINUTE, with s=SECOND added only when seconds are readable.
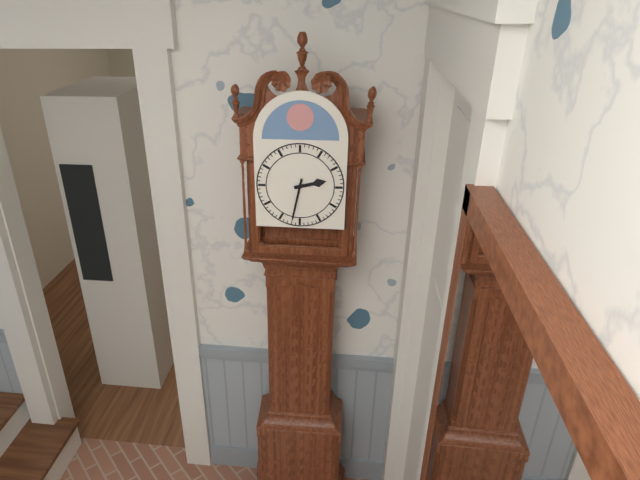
h=2 m=32
